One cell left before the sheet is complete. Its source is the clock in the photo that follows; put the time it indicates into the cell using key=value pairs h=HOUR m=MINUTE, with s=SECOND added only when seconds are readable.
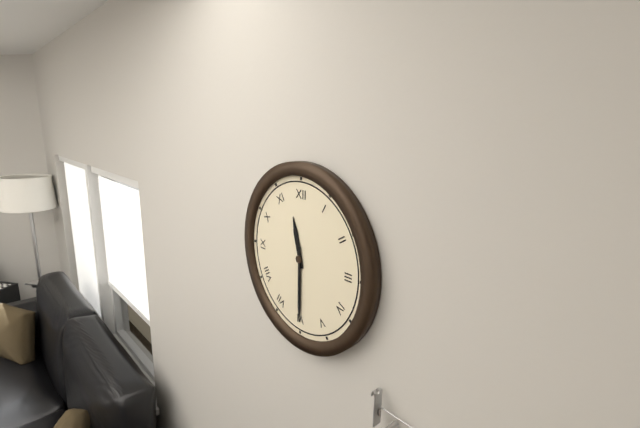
h=11 m=30
